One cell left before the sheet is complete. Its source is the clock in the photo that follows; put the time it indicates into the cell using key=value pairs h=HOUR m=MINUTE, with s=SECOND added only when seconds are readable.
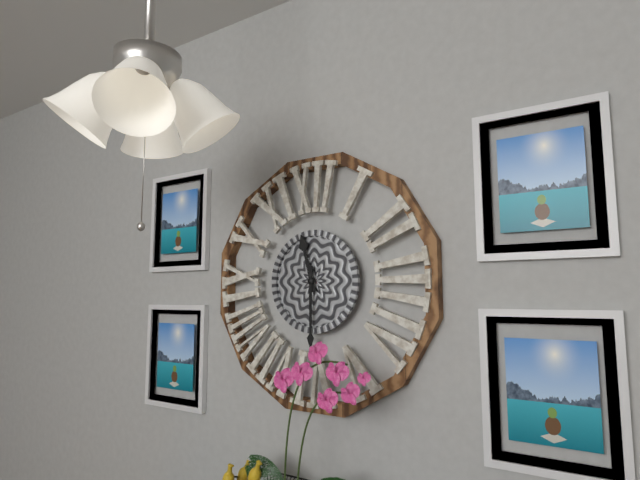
h=11 m=30
